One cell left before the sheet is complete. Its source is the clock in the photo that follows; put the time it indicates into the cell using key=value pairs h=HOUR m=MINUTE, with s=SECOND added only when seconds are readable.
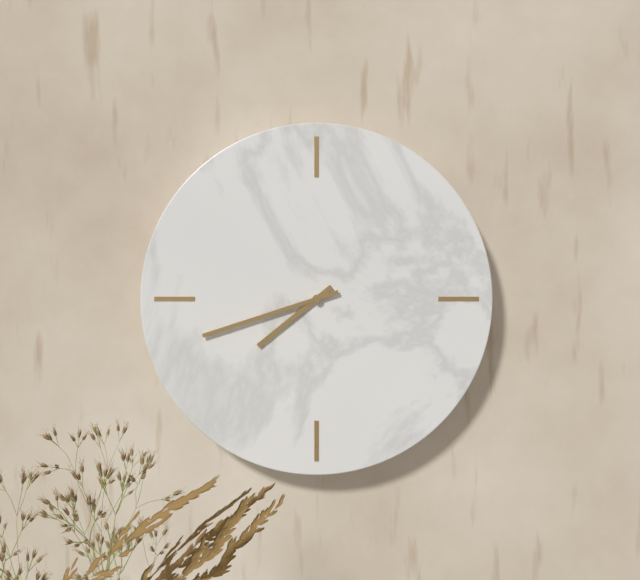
h=7 m=42
